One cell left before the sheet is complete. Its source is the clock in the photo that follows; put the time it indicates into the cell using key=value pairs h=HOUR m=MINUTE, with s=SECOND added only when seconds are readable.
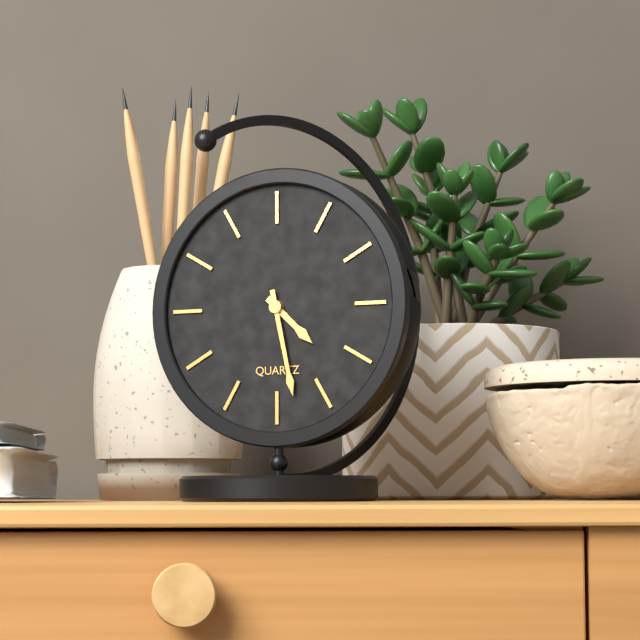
h=4 m=28
